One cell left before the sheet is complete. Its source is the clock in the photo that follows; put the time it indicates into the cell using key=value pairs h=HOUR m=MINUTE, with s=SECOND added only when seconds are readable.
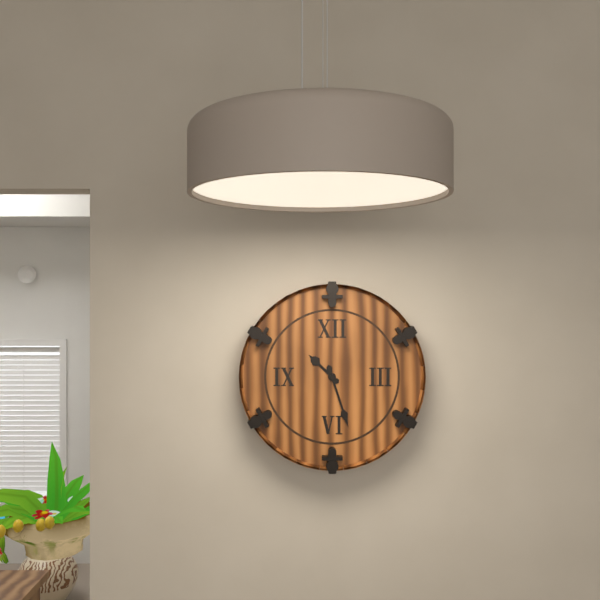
h=10 m=27
